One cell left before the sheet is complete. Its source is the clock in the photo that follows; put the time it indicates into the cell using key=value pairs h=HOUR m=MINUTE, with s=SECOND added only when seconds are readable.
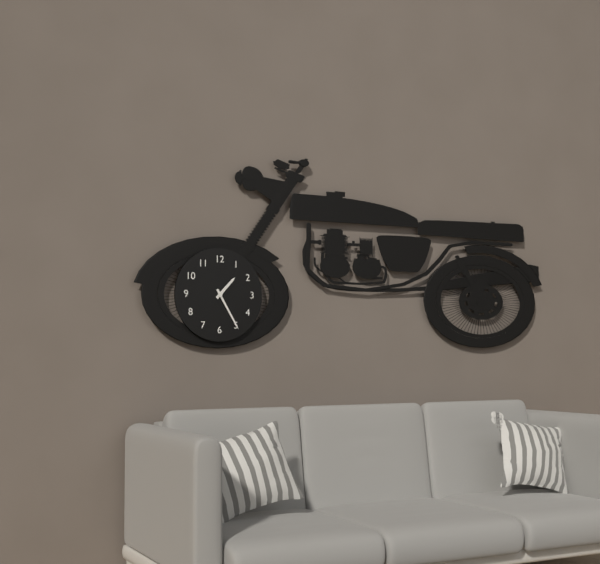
h=1 m=25
